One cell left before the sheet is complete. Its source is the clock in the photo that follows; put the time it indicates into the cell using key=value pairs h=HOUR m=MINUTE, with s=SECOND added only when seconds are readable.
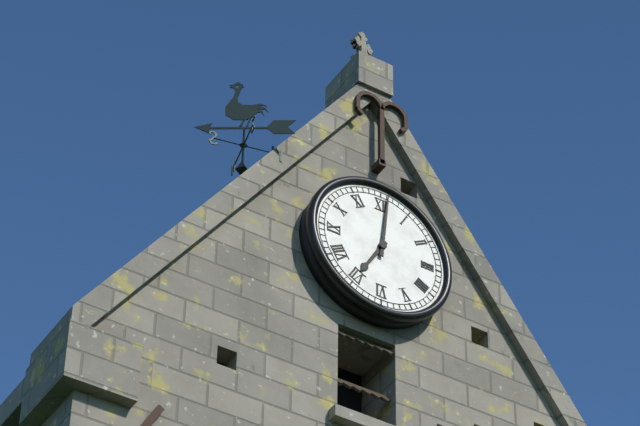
h=7 m=1
